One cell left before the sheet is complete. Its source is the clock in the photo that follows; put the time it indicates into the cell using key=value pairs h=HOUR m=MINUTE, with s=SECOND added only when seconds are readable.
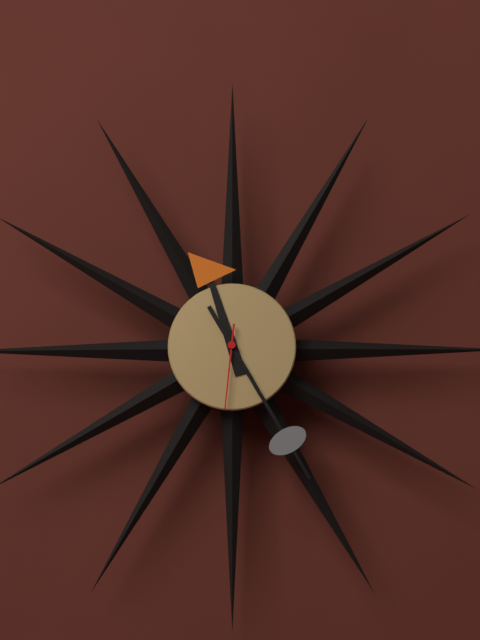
h=11 m=25 s=31
